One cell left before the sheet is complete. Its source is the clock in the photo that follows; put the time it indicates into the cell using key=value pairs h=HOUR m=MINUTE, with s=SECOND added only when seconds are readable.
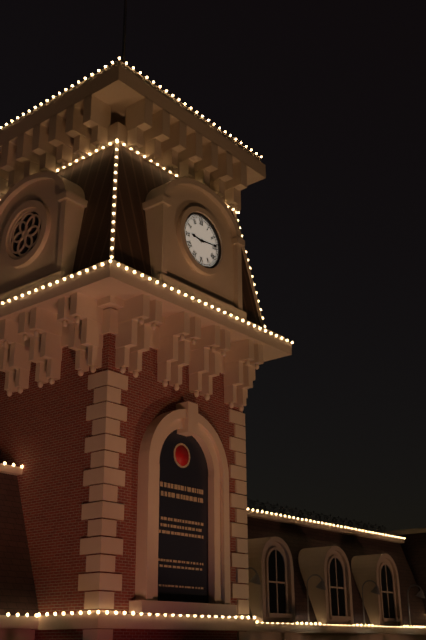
h=9 m=14
